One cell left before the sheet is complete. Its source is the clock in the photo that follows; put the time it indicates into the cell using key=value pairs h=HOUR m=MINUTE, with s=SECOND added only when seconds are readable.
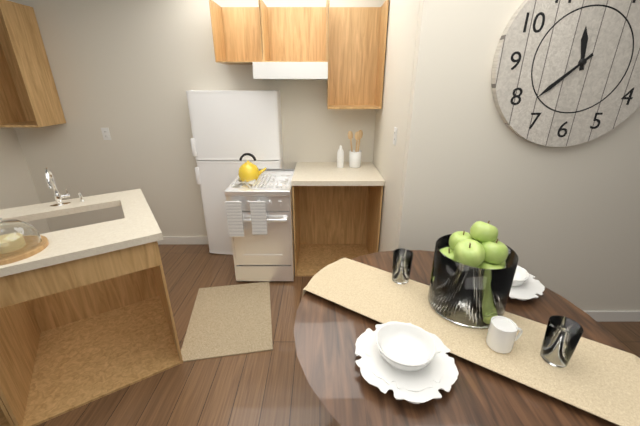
h=11 m=38
